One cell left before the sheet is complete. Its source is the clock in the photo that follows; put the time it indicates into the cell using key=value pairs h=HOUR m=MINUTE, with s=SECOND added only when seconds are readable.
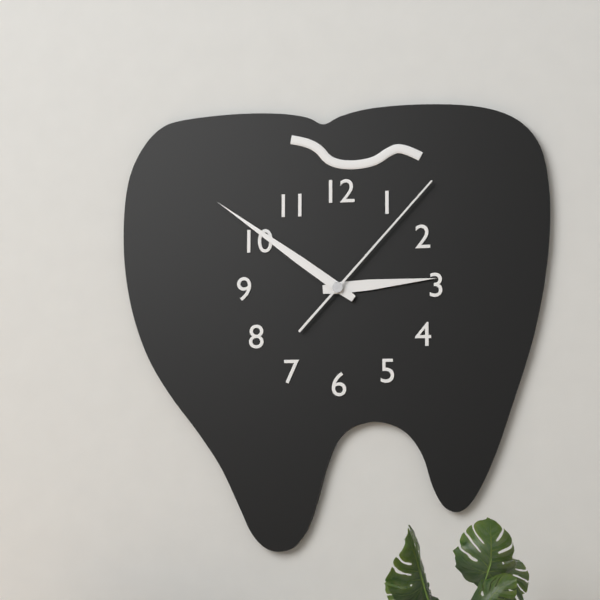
h=2 m=51 s=7
